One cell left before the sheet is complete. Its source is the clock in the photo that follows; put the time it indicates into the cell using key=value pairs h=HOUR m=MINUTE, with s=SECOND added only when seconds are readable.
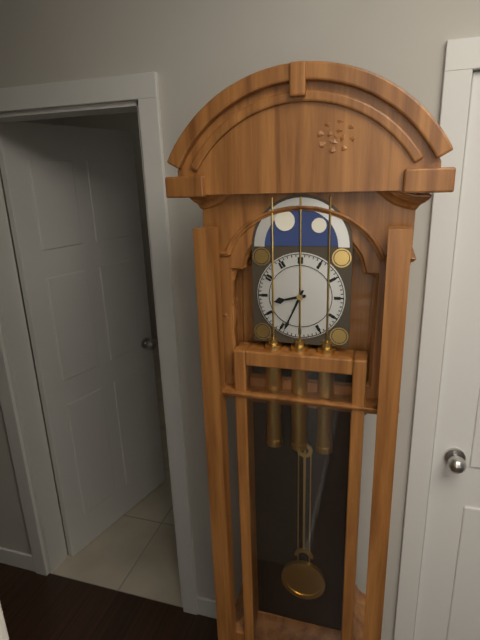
h=8 m=34
